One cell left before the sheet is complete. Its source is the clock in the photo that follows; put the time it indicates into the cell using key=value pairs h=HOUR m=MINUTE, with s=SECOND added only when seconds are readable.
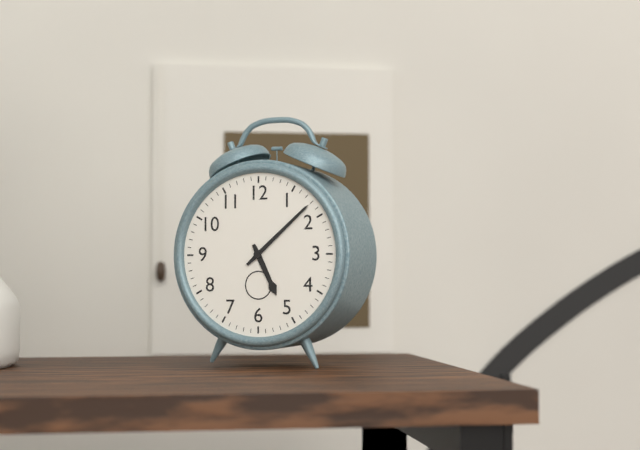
h=5 m=8
